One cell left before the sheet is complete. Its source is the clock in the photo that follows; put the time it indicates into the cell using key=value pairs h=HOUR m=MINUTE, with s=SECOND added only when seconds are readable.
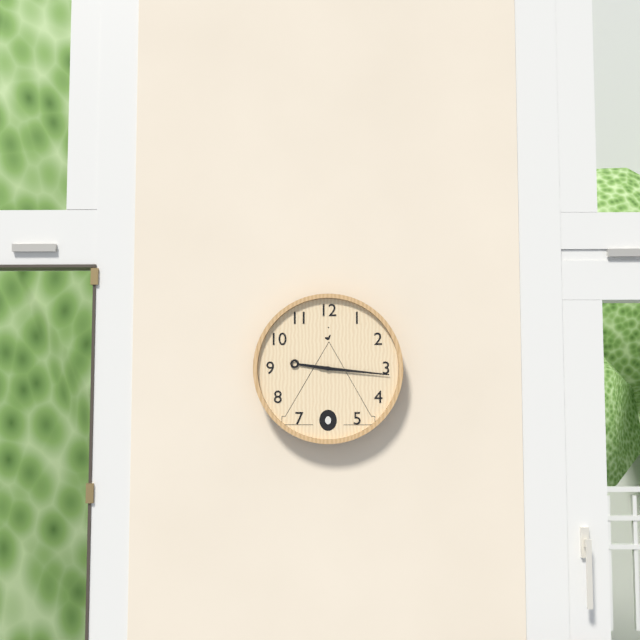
h=9 m=16
